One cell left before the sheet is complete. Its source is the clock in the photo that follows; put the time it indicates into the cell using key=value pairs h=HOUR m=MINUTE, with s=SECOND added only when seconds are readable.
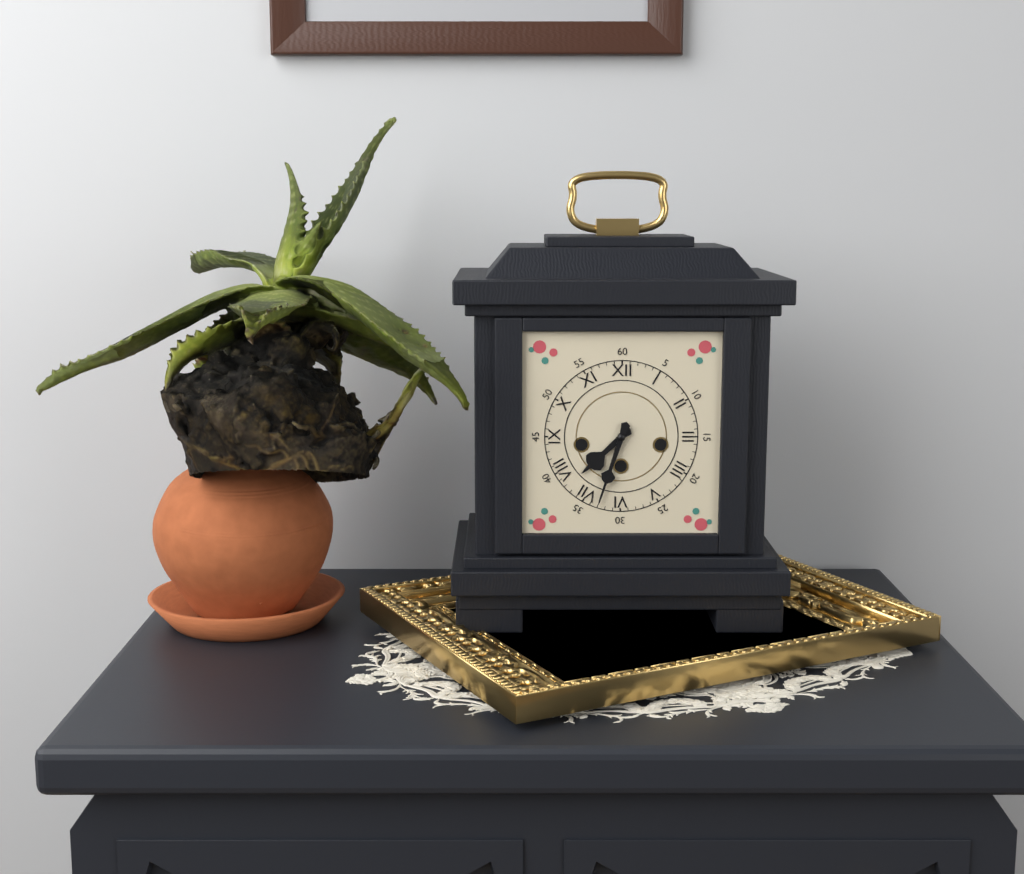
h=7 m=33
